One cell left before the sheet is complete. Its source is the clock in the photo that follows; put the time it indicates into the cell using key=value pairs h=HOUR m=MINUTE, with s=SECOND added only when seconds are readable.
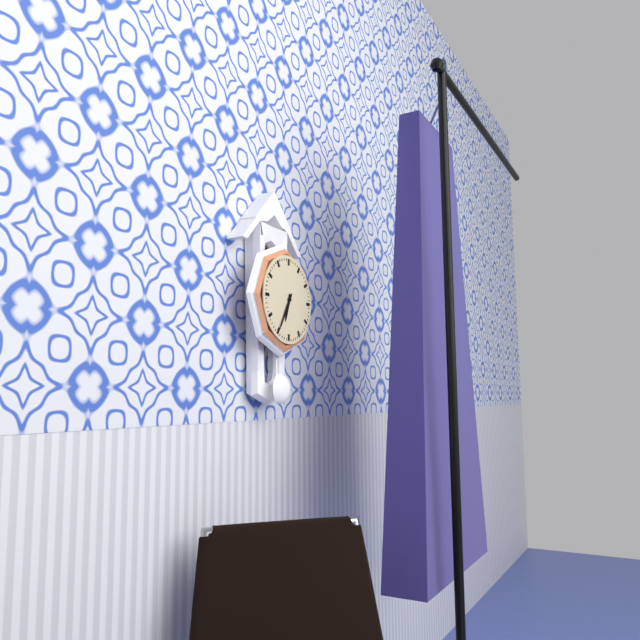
h=6 m=35
